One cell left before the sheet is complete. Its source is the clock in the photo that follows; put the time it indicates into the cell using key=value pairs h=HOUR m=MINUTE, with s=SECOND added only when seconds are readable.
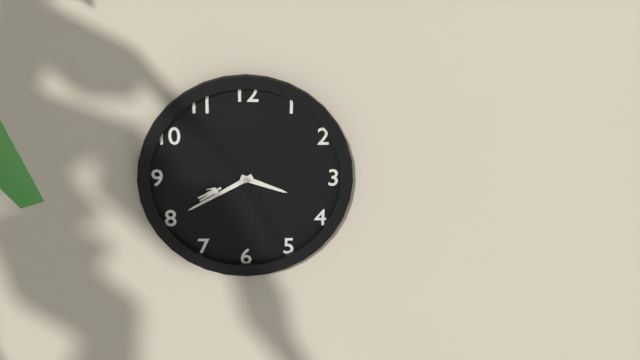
h=3 m=40
